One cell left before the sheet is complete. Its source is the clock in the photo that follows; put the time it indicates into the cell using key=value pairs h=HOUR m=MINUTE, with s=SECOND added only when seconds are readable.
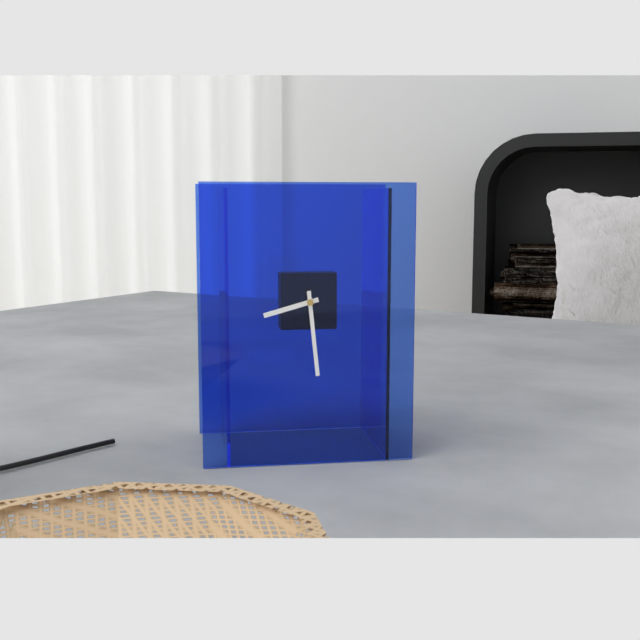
h=8 m=29
